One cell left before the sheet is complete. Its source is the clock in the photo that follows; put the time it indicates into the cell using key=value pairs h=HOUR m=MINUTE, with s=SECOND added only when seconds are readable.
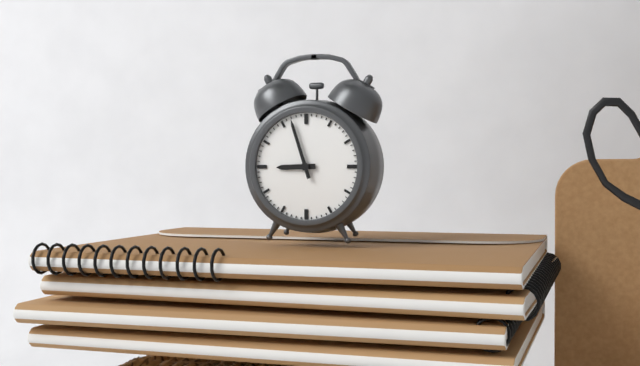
h=8 m=57
